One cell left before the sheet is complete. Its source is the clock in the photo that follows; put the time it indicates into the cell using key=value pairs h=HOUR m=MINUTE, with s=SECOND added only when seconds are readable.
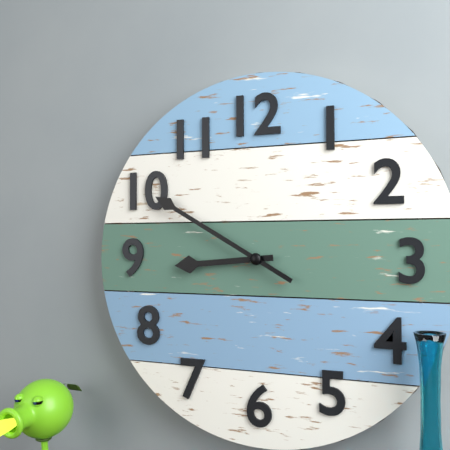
h=8 m=50
